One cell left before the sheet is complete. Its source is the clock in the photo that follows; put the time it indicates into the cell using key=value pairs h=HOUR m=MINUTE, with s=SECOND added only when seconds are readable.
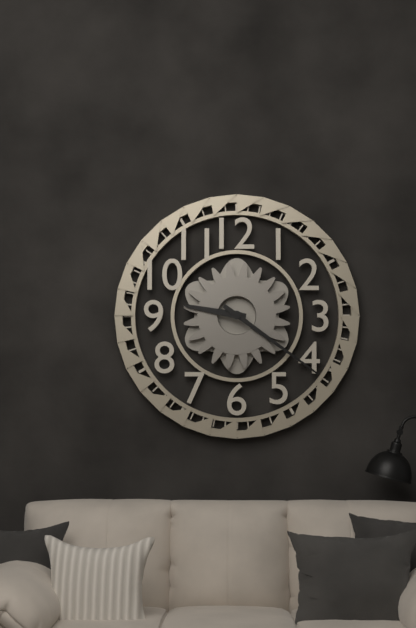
h=9 m=21
